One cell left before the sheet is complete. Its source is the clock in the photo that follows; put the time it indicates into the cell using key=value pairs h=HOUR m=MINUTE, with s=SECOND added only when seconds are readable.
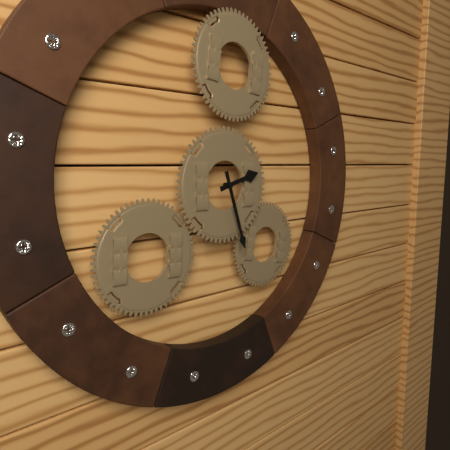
h=2 m=27
